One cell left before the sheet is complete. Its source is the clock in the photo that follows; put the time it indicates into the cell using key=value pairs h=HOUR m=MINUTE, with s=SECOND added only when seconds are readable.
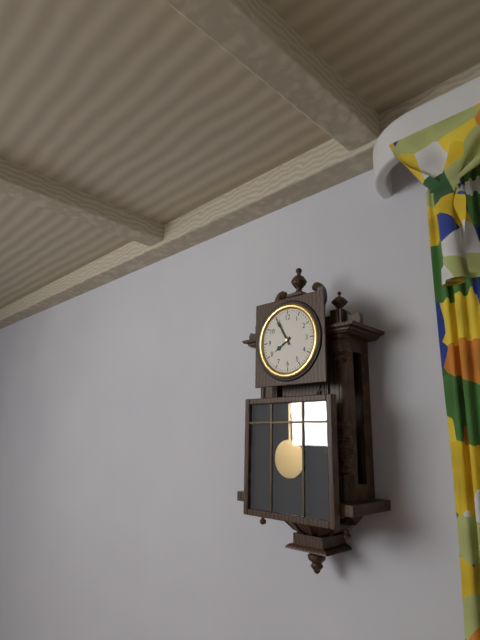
h=7 m=55
